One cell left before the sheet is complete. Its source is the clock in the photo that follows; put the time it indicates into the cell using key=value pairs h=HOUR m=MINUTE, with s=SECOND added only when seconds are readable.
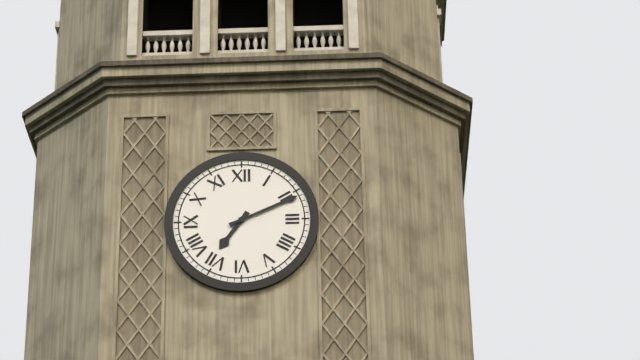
h=7 m=11
